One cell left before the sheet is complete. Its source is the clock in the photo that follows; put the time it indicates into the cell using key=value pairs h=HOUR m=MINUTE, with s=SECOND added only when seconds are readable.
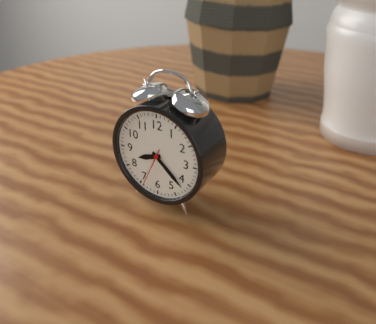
h=8 m=22 s=34
